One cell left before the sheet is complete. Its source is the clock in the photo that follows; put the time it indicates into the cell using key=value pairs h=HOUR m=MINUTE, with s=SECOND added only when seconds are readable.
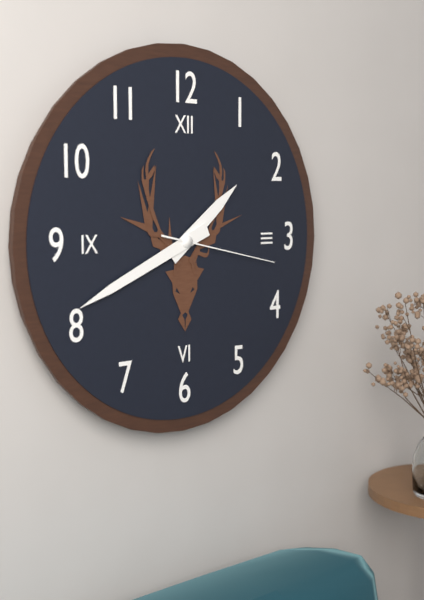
h=1 m=41 s=17
